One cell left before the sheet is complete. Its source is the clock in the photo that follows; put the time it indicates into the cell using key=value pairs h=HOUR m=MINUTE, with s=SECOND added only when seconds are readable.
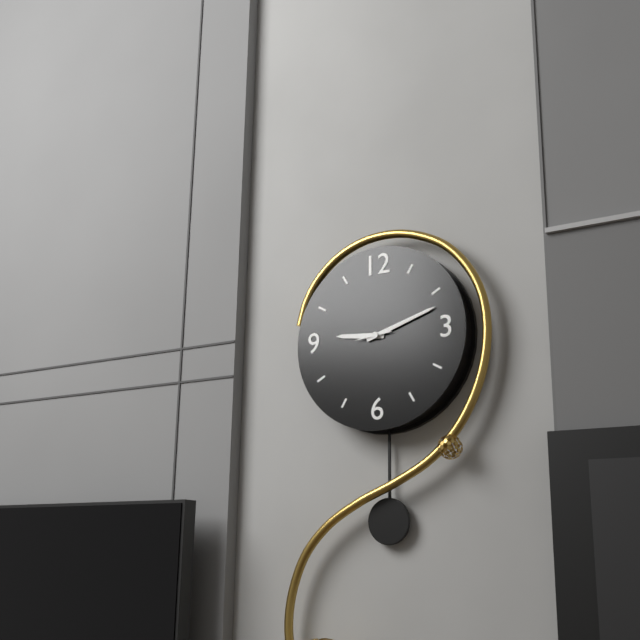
h=9 m=12
